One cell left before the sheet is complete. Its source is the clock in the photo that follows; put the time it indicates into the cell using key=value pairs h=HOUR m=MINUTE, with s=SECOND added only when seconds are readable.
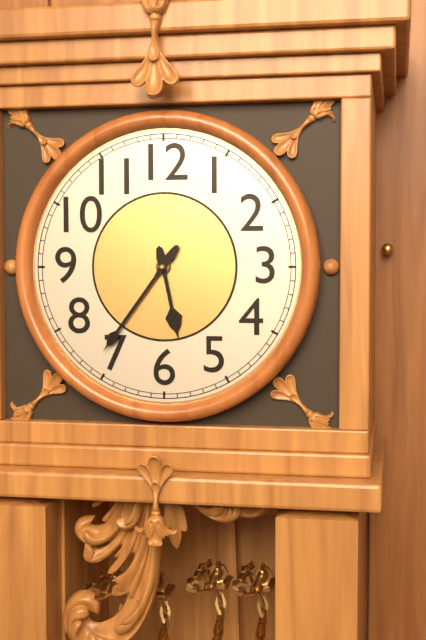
h=5 m=36
